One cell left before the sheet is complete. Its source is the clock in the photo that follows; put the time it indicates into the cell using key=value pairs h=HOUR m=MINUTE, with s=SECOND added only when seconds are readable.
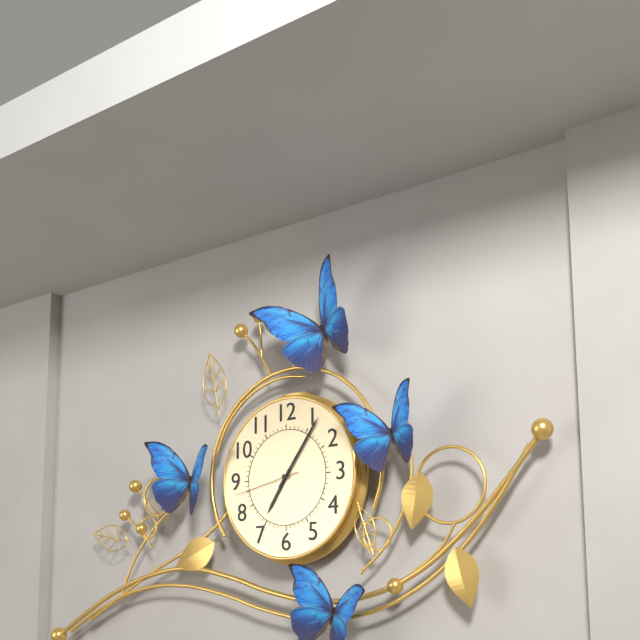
h=7 m=6 s=43
